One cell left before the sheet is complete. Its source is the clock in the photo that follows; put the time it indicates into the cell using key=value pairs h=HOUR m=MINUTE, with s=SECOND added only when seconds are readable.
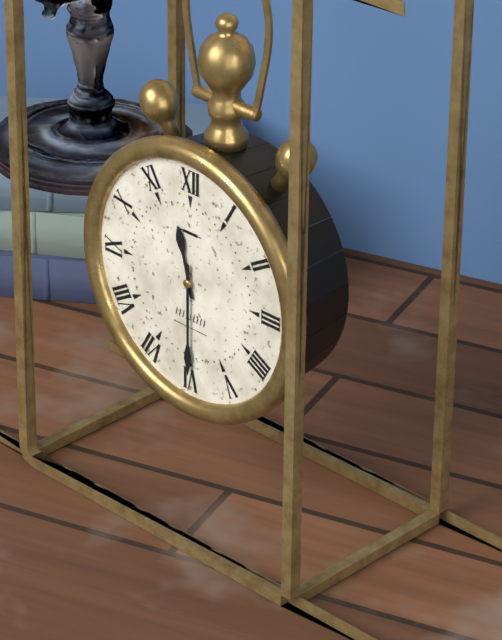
h=11 m=30
